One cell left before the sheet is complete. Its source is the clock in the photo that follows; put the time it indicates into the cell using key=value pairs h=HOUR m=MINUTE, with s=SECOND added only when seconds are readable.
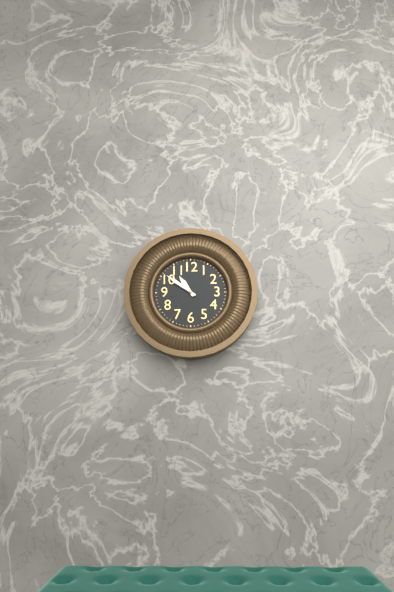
h=10 m=51
